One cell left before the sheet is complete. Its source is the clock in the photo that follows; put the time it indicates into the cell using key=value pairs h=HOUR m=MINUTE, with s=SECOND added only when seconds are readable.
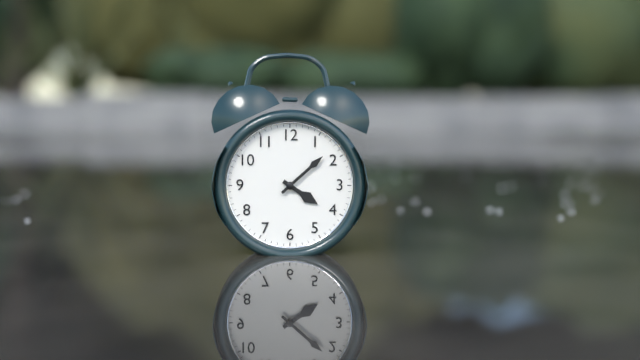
h=4 m=8
